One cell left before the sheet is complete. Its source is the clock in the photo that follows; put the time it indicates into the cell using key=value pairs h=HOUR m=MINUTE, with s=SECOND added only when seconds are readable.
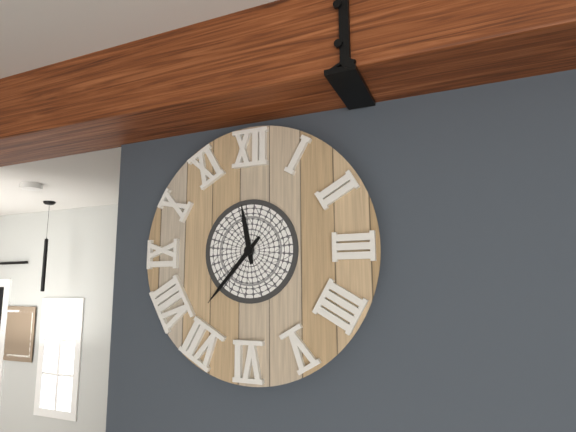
h=11 m=37
